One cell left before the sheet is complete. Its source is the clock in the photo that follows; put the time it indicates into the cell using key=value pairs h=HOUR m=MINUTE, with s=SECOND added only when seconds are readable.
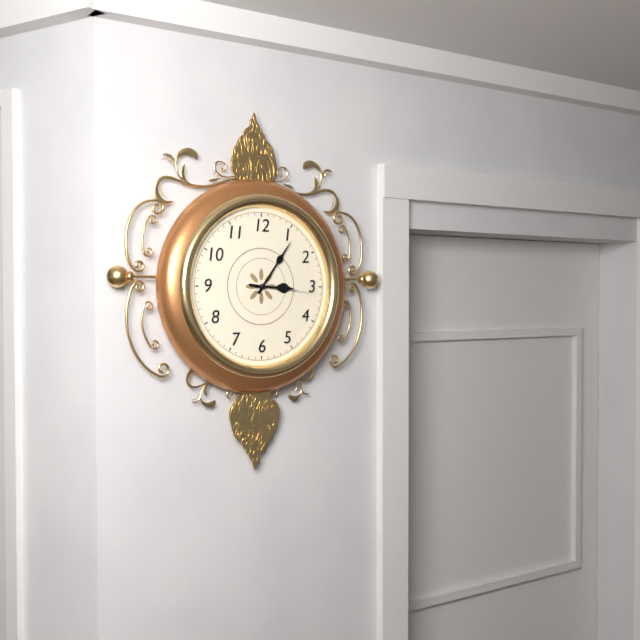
h=3 m=6 s=16
